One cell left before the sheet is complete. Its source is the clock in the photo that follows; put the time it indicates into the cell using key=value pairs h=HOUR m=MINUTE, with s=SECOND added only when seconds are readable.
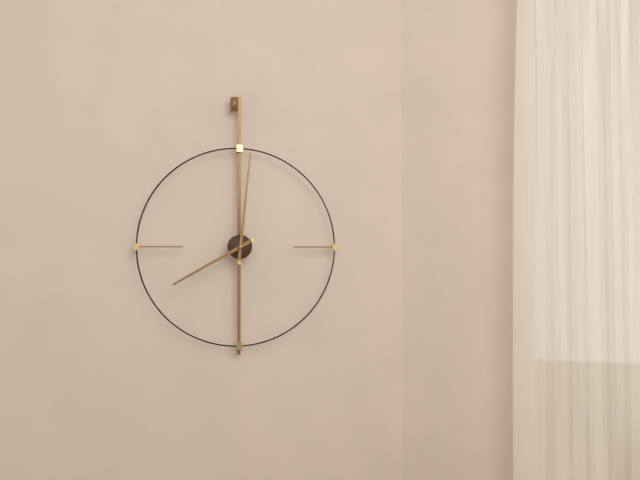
h=8 m=1
